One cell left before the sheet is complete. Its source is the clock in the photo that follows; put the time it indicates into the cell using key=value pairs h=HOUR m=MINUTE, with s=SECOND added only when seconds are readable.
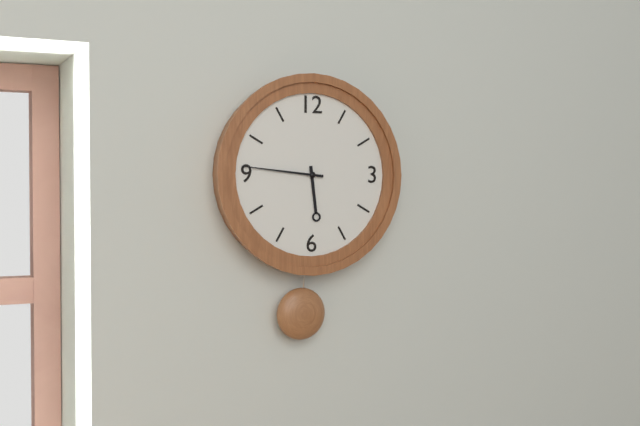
h=5 m=46
